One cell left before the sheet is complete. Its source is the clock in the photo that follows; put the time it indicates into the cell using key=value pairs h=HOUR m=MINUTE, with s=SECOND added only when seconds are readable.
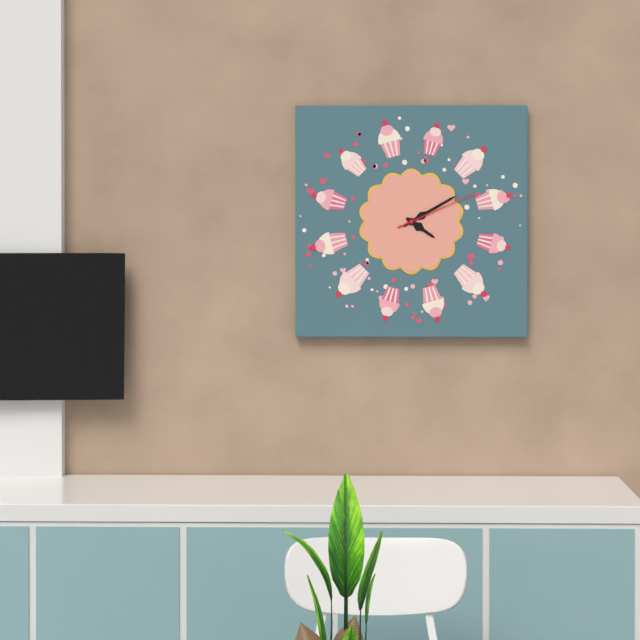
h=4 m=10 s=11
